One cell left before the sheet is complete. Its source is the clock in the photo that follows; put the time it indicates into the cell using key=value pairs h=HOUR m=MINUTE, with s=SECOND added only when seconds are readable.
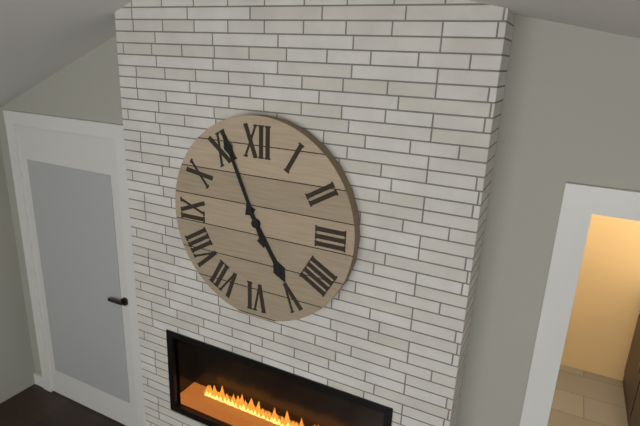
h=4 m=56
